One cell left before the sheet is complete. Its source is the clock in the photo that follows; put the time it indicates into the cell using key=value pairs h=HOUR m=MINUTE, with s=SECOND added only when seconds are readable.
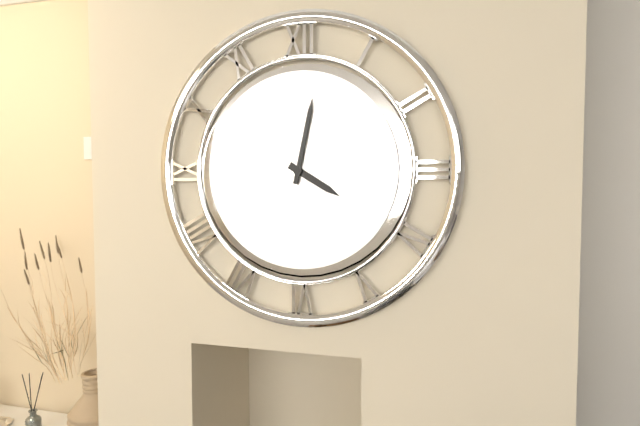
h=4 m=2
